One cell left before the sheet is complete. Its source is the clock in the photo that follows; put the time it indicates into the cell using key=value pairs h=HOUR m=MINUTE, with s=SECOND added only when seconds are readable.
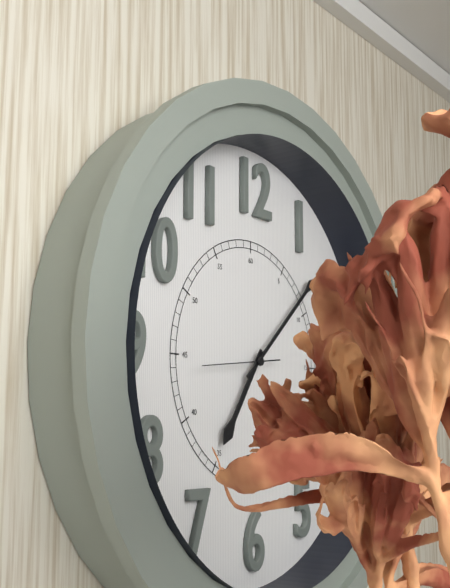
h=7 m=8 s=44
